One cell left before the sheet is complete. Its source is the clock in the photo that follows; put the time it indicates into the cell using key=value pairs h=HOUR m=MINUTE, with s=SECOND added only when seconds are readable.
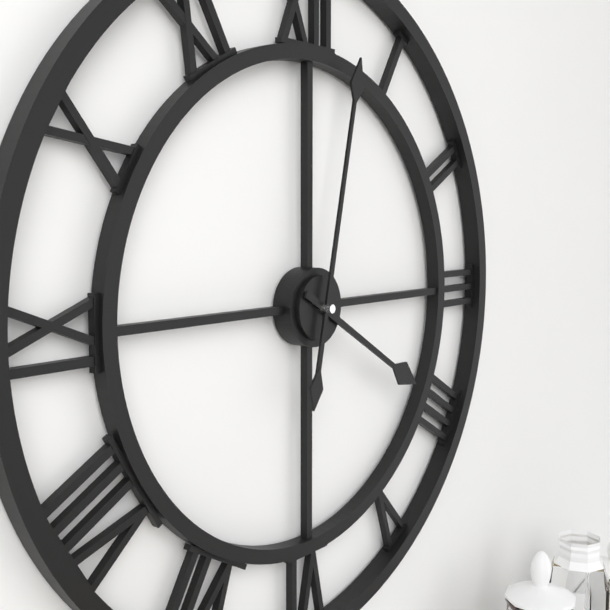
h=4 m=2
